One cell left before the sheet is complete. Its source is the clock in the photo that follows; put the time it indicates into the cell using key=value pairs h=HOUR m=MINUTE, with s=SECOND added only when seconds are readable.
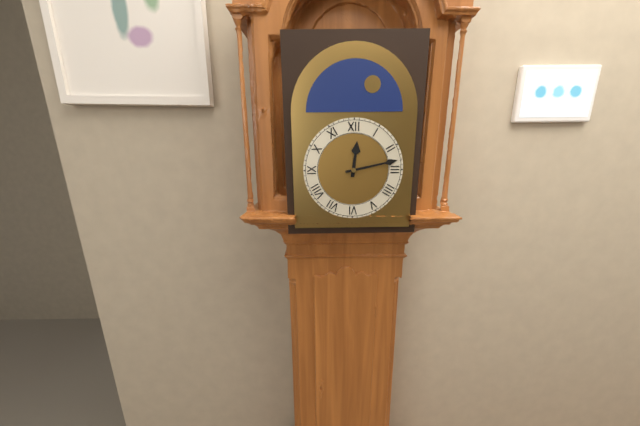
h=12 m=13
